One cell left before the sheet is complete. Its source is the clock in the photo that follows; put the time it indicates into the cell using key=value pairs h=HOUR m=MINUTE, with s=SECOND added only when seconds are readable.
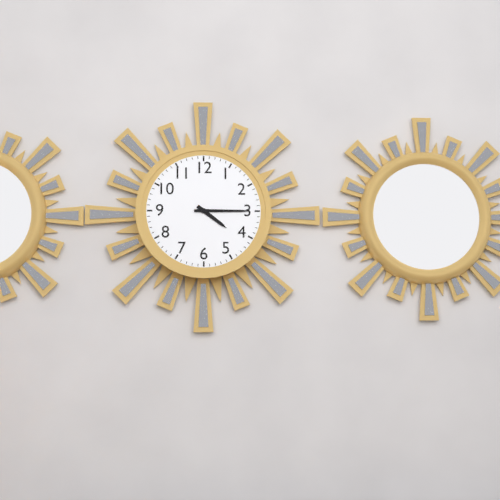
h=4 m=15
